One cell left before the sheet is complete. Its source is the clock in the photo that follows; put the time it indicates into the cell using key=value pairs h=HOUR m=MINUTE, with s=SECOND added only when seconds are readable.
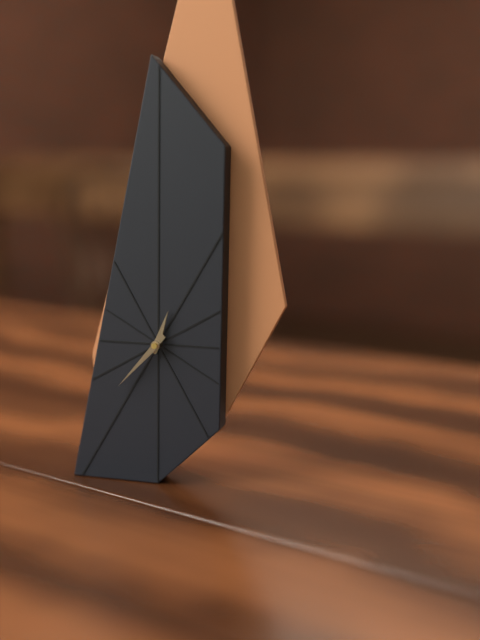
h=12 m=37
